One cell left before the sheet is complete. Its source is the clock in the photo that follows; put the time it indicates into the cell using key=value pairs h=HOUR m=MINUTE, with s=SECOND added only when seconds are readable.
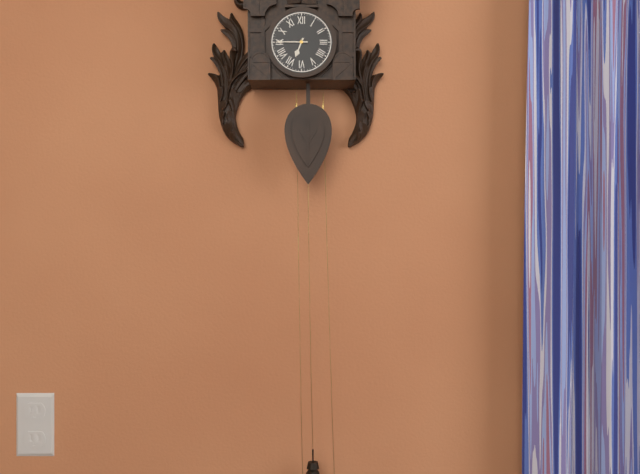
h=6 m=45
